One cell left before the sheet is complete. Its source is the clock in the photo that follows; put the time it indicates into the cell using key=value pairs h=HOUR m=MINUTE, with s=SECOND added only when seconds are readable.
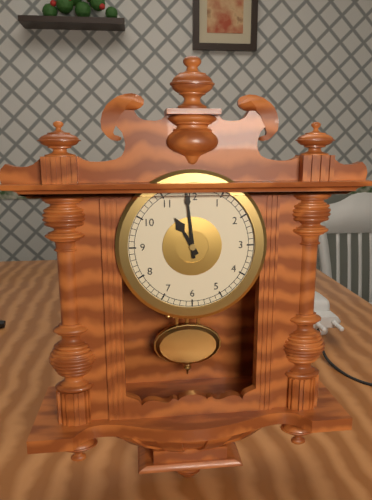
h=10 m=59
